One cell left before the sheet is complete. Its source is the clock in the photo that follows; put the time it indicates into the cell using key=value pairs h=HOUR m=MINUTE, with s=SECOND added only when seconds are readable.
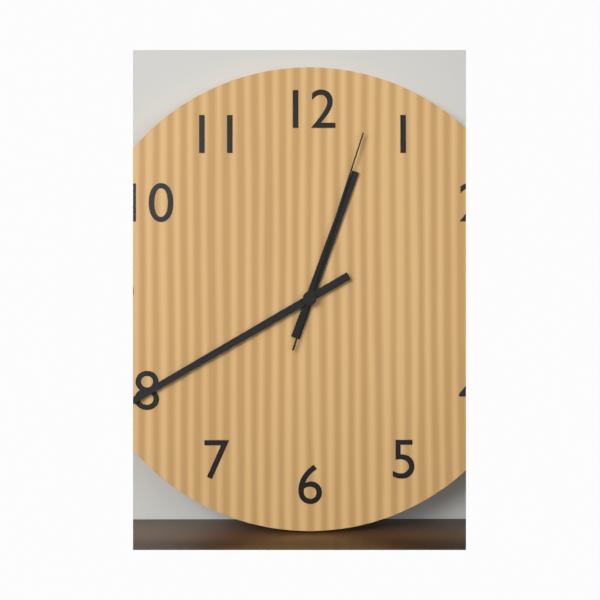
h=12 m=40 s=3
